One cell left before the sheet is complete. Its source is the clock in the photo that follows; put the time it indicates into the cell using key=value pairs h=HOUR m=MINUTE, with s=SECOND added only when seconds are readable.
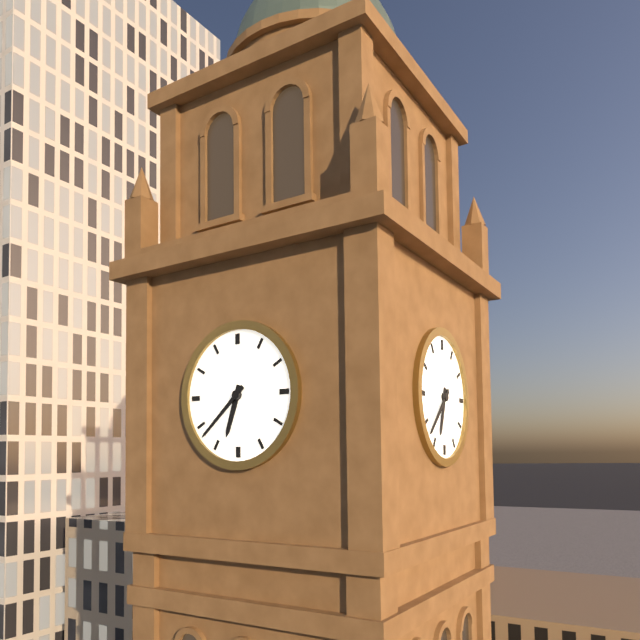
h=6 m=38
